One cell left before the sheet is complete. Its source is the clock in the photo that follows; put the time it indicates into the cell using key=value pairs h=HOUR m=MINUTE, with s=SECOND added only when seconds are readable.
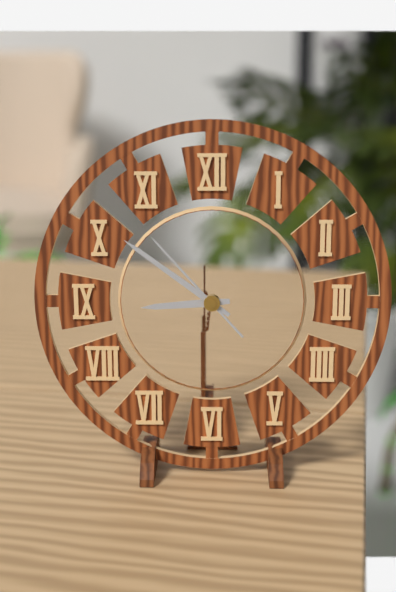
h=8 m=51 s=53
